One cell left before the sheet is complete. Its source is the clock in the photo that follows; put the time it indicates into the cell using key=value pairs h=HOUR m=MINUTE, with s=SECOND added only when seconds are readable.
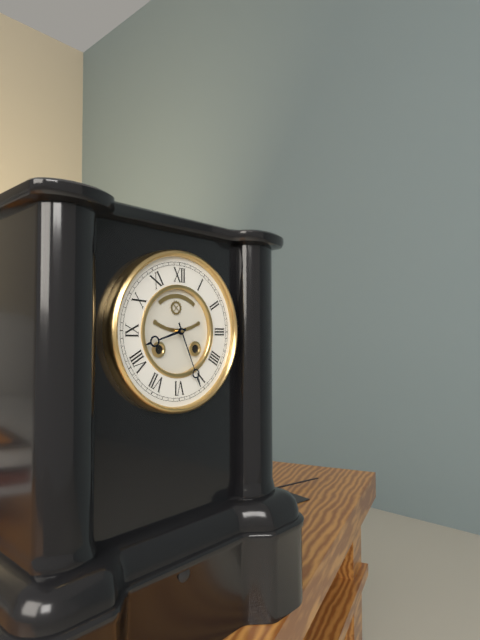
h=8 m=26
